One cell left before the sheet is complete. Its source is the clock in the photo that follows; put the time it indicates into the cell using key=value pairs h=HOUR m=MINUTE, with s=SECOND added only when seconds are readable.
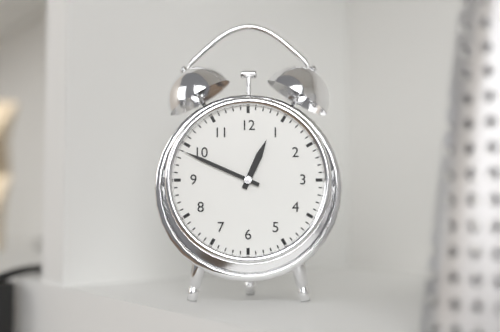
h=12 m=49
